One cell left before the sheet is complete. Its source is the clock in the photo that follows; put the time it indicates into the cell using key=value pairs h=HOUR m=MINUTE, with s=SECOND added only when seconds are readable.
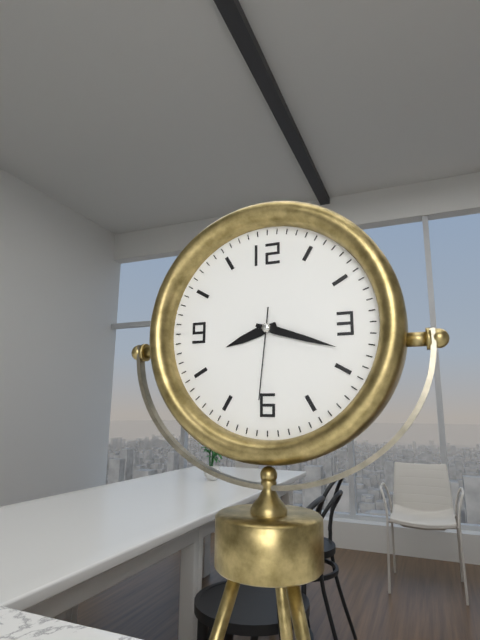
h=8 m=18 s=31
